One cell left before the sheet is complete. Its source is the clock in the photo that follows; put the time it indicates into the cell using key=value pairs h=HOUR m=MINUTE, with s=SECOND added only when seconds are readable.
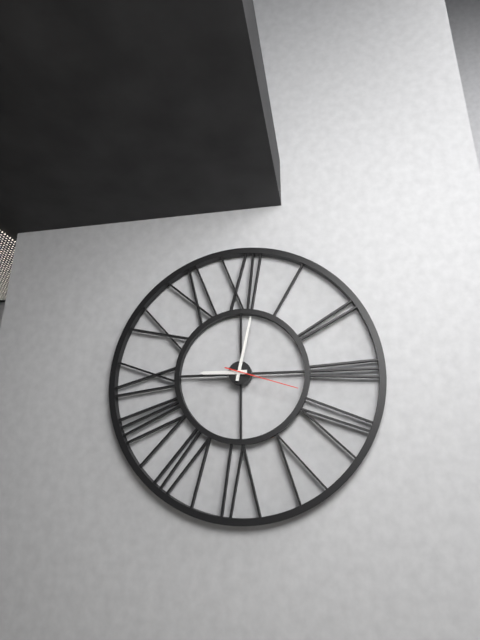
h=9 m=2 s=18
